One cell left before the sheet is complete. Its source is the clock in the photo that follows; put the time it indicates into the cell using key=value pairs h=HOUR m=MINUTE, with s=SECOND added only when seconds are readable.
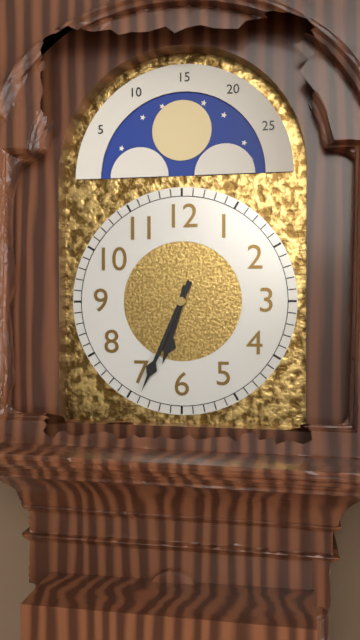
h=6 m=34
